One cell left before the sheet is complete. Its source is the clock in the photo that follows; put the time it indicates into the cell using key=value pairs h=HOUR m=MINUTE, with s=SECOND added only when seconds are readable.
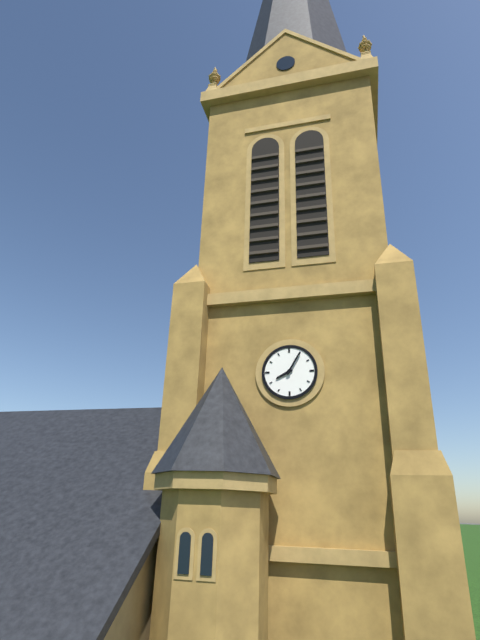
h=8 m=5
